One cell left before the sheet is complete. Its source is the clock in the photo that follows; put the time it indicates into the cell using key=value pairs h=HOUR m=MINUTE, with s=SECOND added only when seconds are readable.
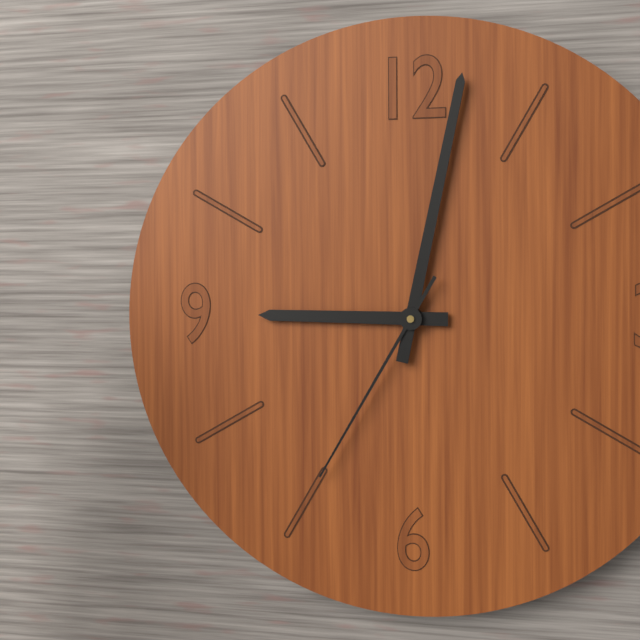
h=9 m=2 s=35
